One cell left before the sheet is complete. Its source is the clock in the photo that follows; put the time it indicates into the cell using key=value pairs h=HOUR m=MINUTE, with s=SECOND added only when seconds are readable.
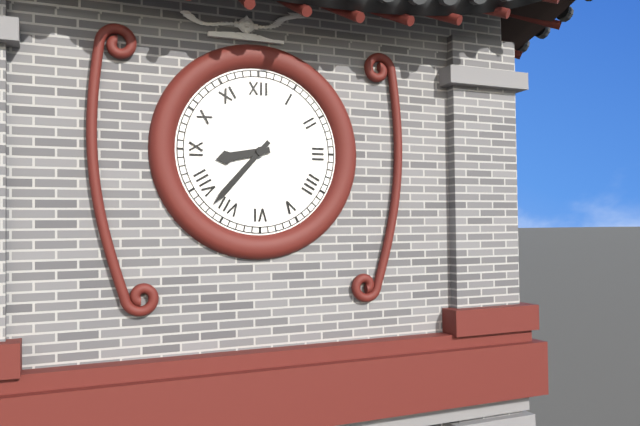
h=8 m=37
